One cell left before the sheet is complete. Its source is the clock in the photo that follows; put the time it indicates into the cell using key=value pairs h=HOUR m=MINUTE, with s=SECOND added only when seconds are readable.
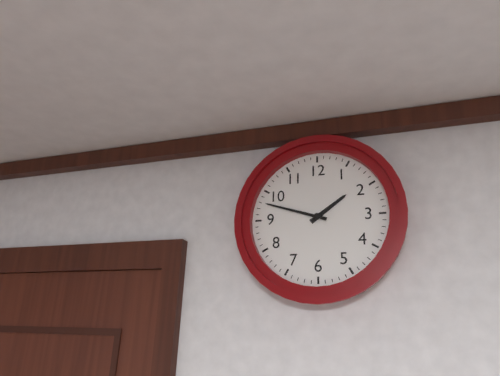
h=1 m=48
